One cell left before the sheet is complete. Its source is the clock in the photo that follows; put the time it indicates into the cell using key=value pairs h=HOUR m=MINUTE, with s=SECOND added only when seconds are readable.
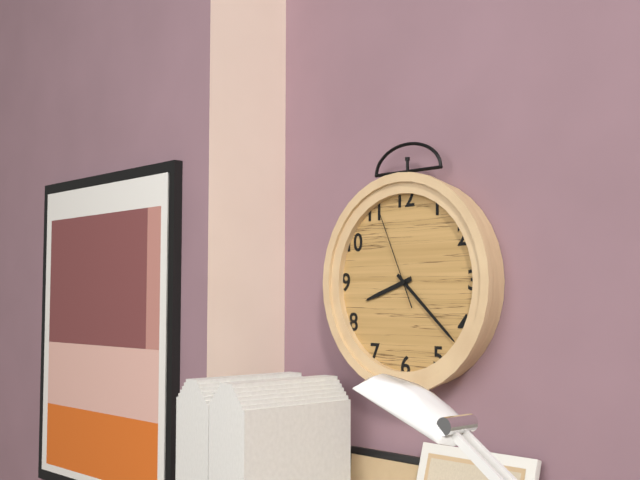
h=8 m=22 s=56
